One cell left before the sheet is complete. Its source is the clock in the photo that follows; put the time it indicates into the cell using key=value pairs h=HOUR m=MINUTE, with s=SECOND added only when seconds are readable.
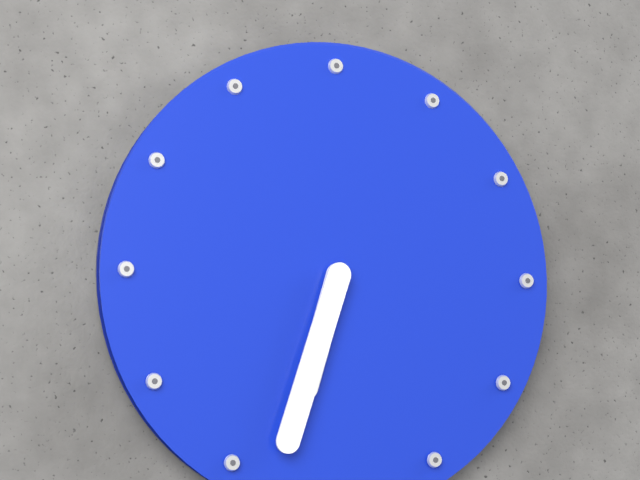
h=6 m=33
